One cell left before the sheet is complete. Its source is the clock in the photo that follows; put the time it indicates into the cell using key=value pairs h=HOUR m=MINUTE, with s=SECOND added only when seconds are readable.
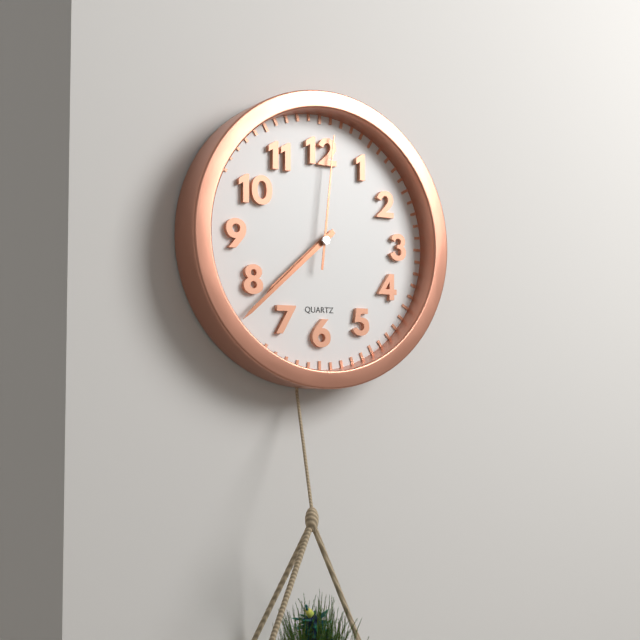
h=7 m=38 s=1
